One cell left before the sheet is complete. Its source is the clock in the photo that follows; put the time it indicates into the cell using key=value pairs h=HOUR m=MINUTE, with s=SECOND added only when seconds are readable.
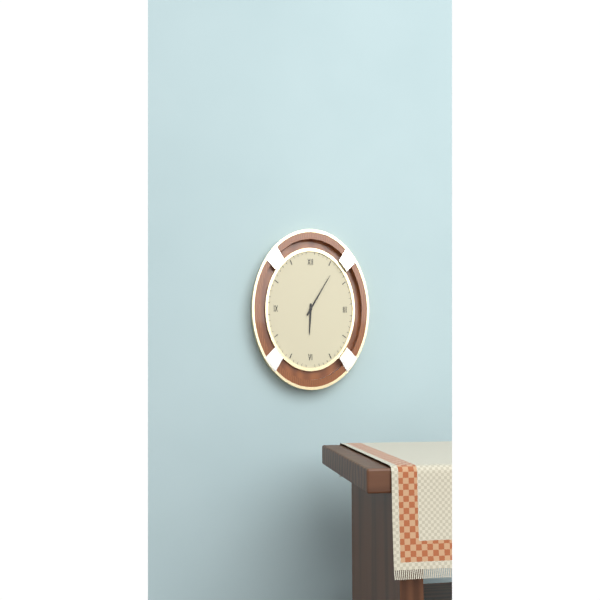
h=6 m=5
